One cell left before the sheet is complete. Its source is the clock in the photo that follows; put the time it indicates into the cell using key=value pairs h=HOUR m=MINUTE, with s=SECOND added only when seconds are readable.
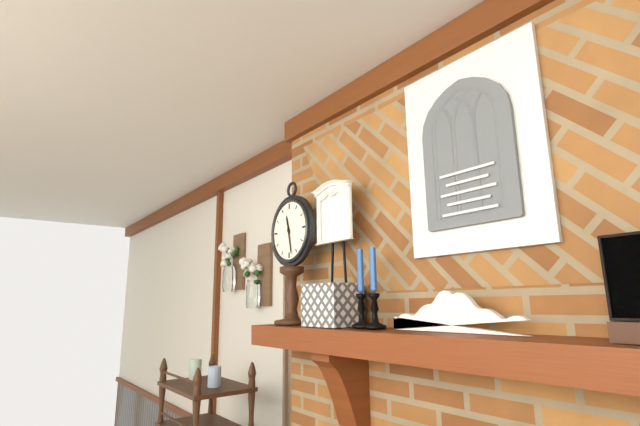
h=11 m=28
